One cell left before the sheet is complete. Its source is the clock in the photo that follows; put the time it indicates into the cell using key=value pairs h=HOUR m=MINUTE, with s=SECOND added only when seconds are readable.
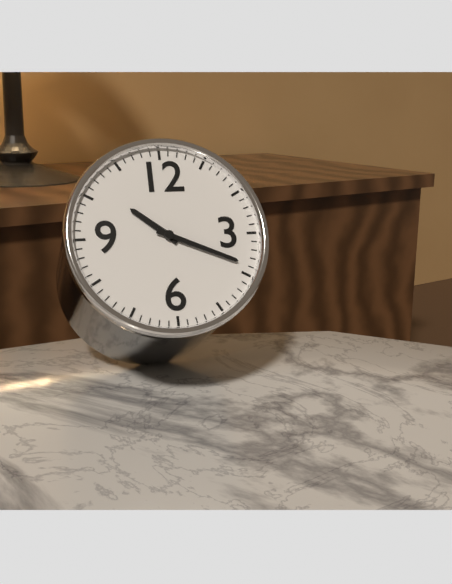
h=10 m=19
